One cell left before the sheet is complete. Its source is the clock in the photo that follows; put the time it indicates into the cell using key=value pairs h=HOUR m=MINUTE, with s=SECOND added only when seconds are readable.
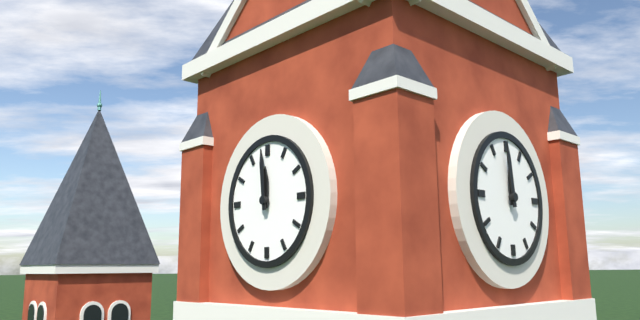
h=11 m=59
